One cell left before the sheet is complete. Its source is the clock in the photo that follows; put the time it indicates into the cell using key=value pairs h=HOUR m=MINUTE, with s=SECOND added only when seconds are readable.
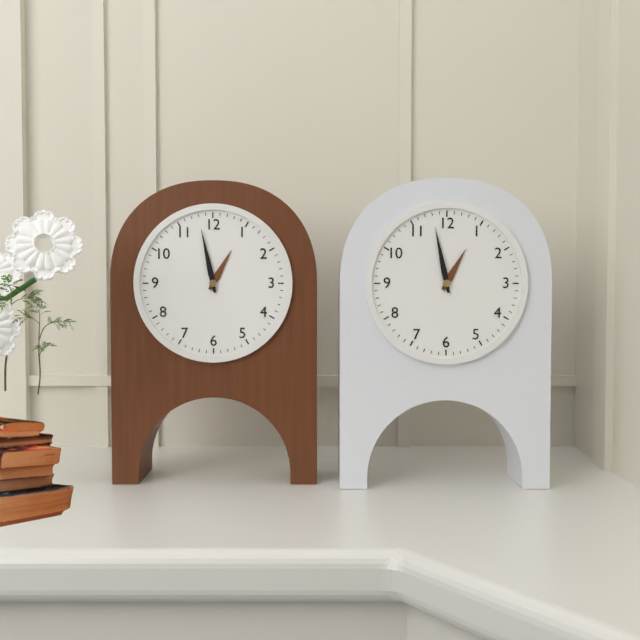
h=12 m=58
